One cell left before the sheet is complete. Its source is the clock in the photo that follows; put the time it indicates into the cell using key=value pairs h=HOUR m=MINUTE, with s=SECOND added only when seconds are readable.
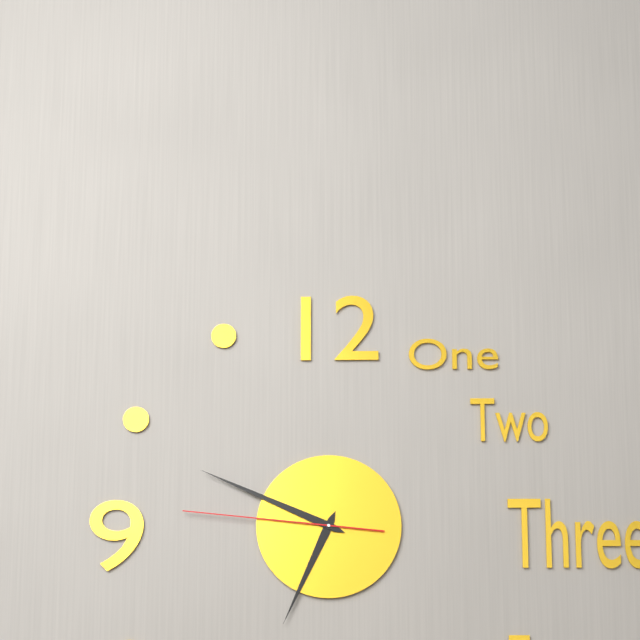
h=6 m=49 s=46
